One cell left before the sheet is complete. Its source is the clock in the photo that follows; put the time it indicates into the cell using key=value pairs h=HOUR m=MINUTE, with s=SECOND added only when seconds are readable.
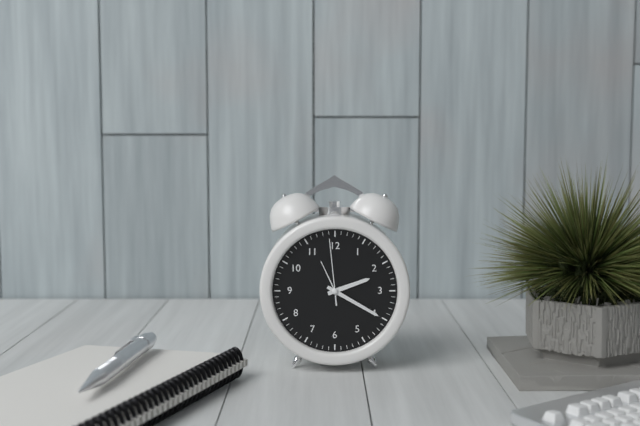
h=2 m=20 s=59
